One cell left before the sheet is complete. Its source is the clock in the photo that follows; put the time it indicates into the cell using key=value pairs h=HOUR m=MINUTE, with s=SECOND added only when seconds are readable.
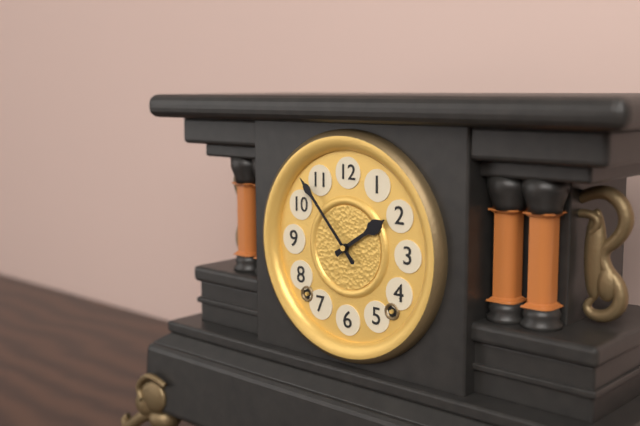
h=1 m=53
